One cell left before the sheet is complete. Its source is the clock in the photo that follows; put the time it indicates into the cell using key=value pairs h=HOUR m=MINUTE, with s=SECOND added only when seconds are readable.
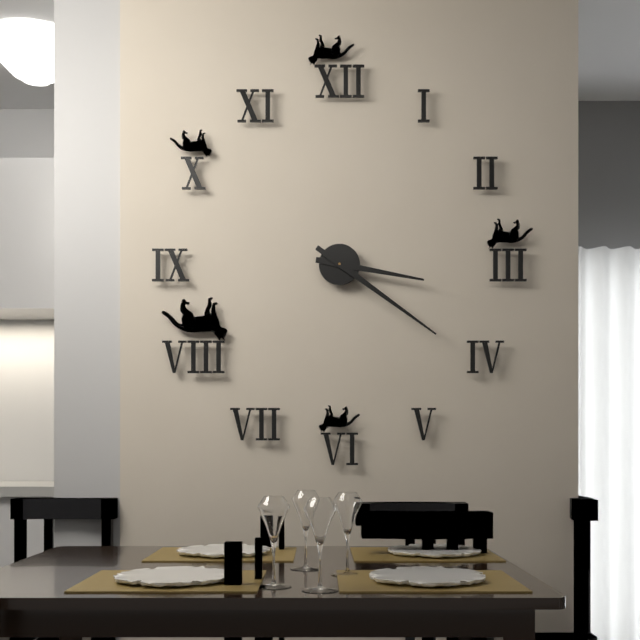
h=3 m=21
